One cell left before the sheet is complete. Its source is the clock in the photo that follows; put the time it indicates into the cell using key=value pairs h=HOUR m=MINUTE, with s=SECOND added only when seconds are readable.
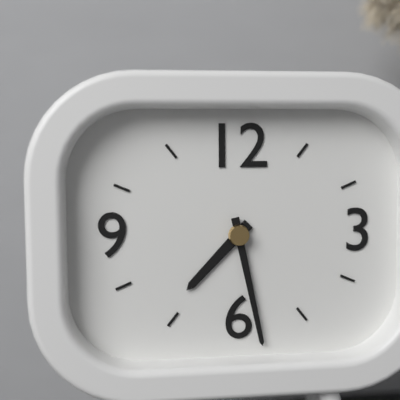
h=7 m=28
